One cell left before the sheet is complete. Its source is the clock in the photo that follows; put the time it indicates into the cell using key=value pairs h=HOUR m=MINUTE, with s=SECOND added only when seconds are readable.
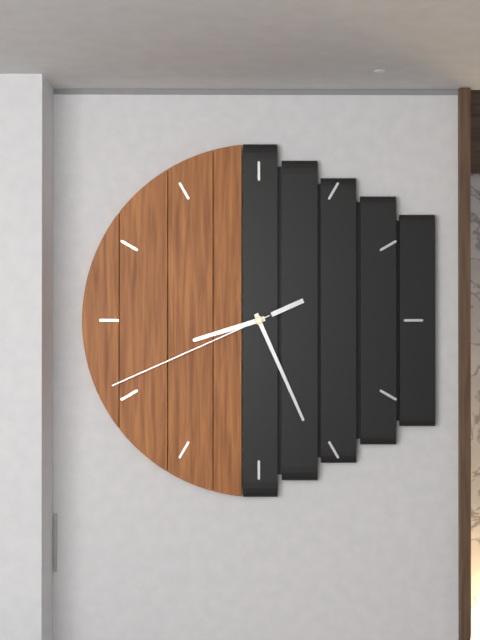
h=8 m=26 s=41
